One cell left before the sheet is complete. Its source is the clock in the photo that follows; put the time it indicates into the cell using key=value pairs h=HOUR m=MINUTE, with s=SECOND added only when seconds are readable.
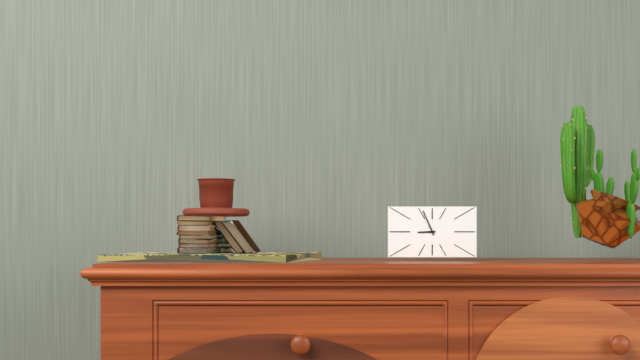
h=8 m=56
